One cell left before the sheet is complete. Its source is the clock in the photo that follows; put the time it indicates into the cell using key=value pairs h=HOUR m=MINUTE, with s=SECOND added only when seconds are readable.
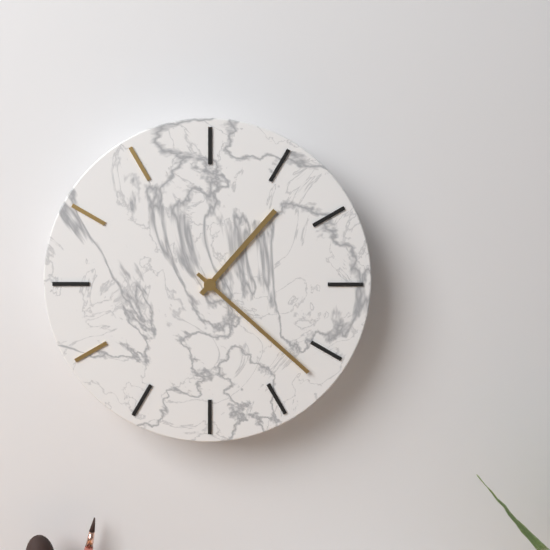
h=1 m=22
